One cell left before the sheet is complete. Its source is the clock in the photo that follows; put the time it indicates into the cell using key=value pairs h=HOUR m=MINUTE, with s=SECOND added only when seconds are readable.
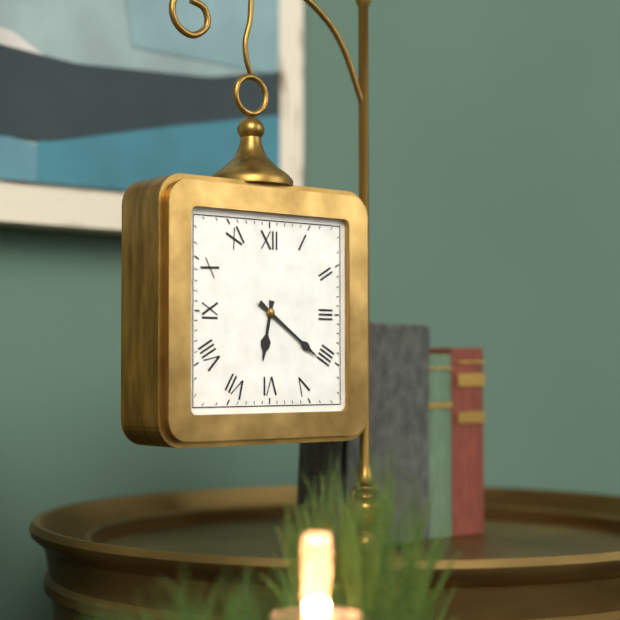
h=6 m=21
